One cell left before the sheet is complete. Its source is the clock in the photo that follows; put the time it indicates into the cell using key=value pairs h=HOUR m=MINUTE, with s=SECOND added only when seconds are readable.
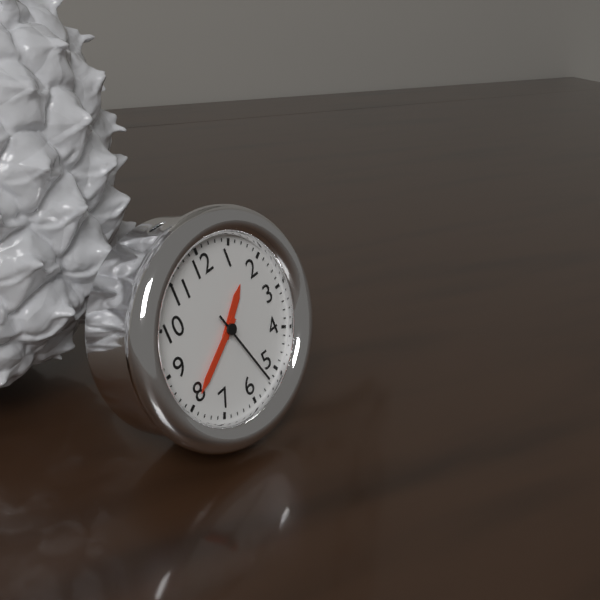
h=1 m=40 s=27
